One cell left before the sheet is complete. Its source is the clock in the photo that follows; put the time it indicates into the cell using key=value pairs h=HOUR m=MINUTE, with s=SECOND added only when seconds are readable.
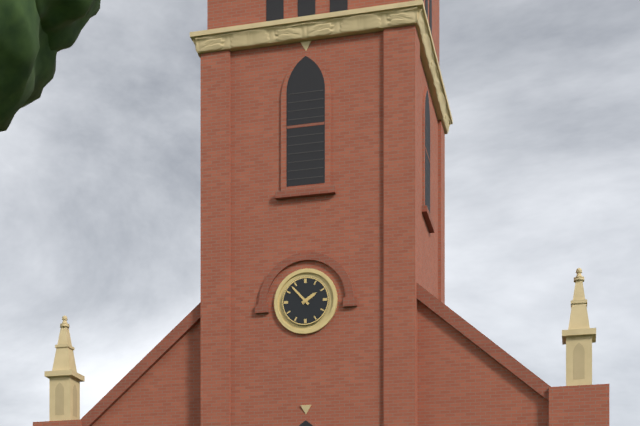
h=1 m=53
